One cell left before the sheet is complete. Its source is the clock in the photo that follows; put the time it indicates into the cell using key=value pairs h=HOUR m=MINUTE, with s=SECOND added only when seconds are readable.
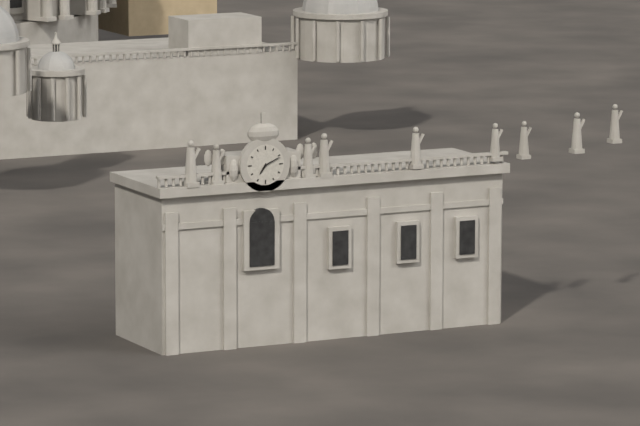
h=7 m=11
